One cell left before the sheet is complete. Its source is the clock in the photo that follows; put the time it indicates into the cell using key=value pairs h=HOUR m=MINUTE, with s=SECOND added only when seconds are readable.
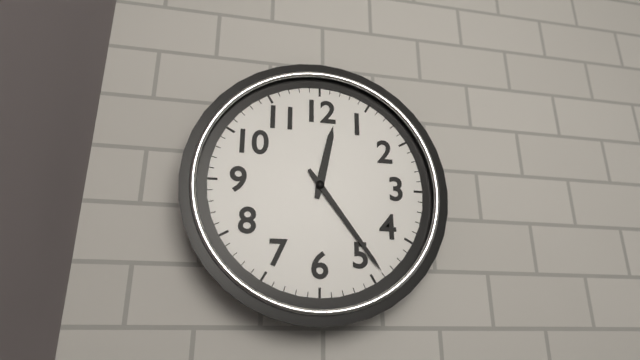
h=12 m=24
